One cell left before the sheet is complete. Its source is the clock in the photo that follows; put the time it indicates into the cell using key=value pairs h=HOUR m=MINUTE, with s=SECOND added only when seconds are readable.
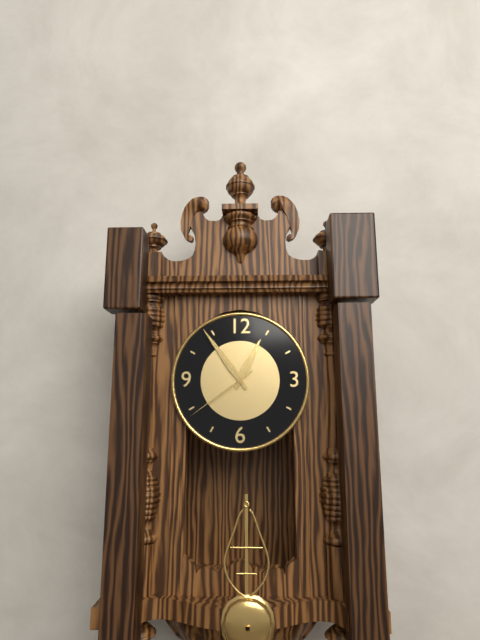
h=12 m=54 s=39
